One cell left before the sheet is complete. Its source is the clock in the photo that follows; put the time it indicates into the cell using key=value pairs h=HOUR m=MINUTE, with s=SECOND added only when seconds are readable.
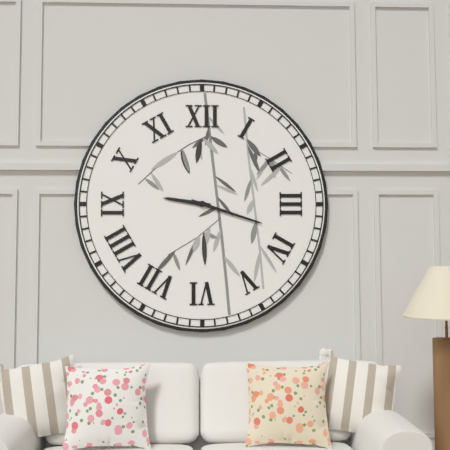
h=9 m=18
